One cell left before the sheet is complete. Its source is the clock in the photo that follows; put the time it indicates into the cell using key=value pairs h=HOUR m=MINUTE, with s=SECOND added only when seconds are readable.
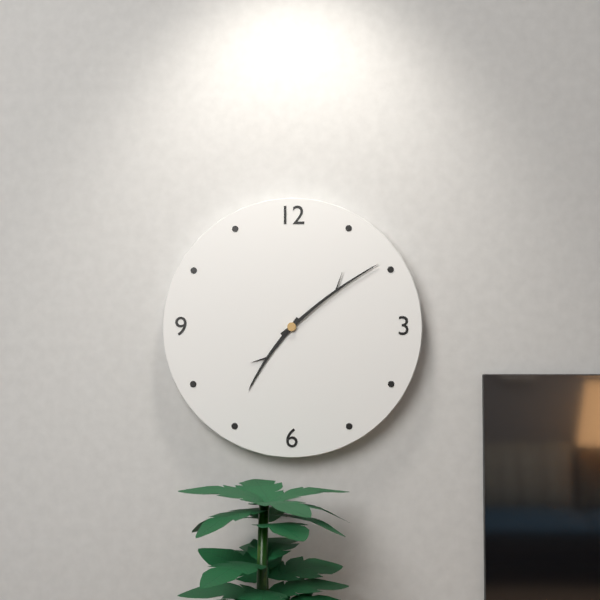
h=7 m=9
